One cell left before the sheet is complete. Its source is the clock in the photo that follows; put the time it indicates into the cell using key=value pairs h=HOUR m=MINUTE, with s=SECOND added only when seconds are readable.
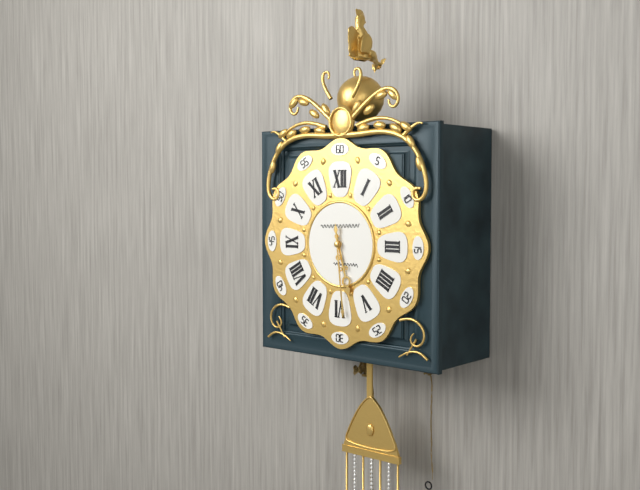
h=5 m=29
